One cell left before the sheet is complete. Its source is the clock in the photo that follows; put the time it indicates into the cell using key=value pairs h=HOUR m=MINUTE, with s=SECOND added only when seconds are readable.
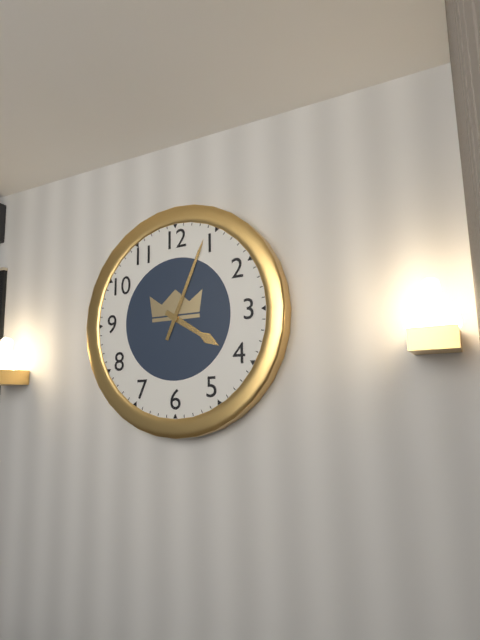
h=4 m=4
